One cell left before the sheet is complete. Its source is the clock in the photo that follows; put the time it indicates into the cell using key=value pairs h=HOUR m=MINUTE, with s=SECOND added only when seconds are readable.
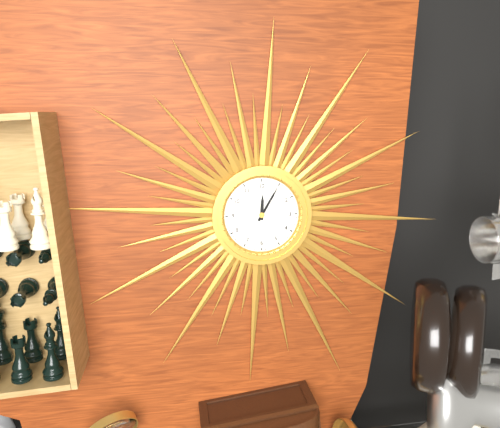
h=12 m=5
